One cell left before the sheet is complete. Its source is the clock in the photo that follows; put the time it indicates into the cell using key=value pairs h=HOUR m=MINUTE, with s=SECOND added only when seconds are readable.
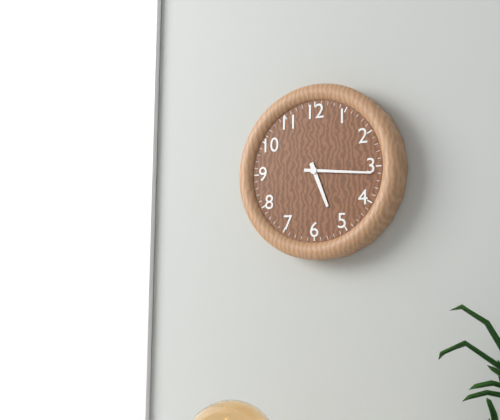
h=5 m=16
